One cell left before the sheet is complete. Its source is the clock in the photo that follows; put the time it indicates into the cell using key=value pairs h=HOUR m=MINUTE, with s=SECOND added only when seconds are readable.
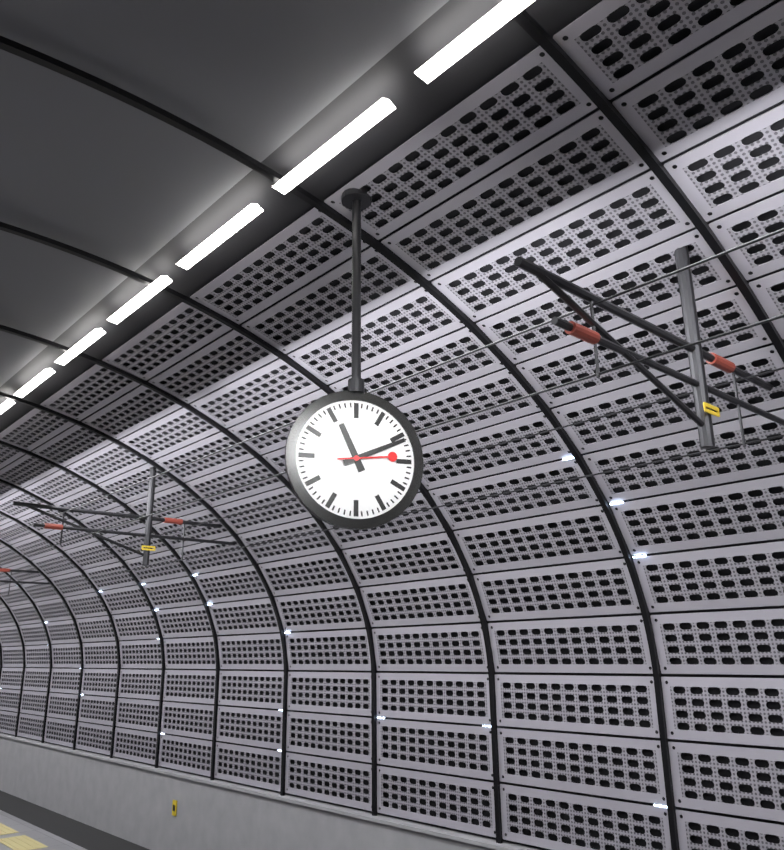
h=11 m=11 s=14
